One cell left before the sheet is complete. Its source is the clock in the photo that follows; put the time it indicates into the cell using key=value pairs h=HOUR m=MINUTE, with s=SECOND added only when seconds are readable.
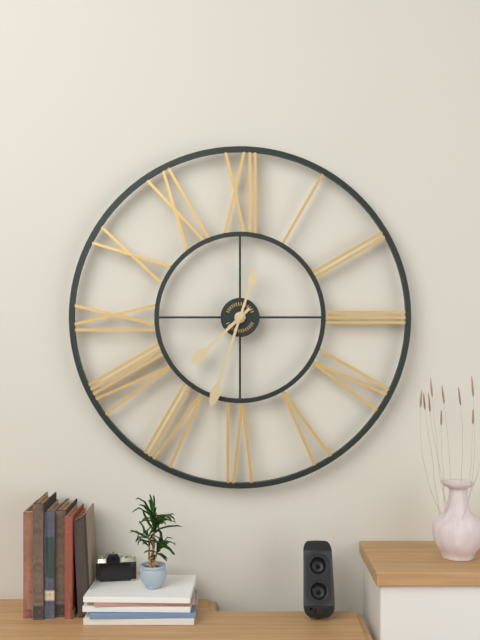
h=7 m=33
